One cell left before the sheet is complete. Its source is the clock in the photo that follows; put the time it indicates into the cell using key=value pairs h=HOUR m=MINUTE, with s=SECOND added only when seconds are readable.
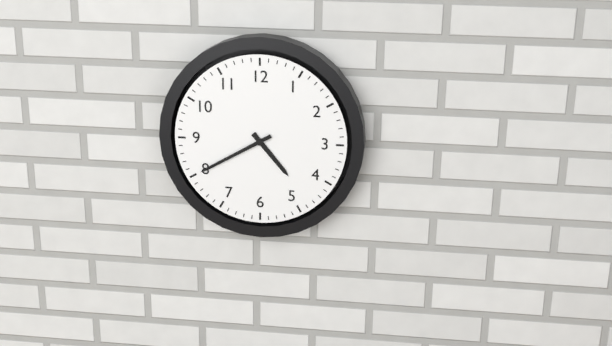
h=4 m=40
